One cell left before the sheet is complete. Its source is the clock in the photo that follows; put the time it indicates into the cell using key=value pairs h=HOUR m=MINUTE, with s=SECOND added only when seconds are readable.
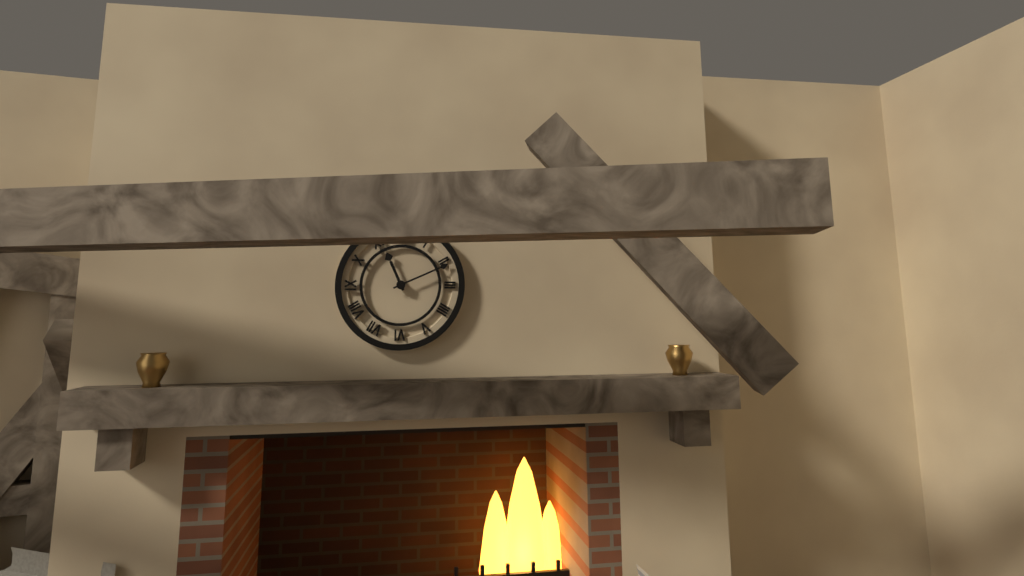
h=11 m=11
